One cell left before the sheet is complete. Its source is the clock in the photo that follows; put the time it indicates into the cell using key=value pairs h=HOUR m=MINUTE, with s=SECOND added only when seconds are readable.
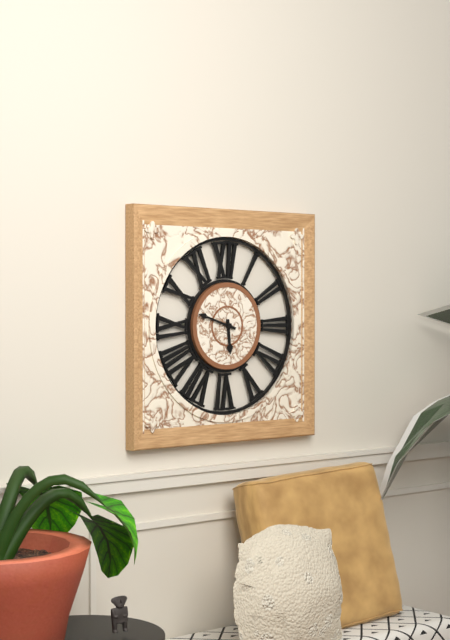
h=5 m=48
